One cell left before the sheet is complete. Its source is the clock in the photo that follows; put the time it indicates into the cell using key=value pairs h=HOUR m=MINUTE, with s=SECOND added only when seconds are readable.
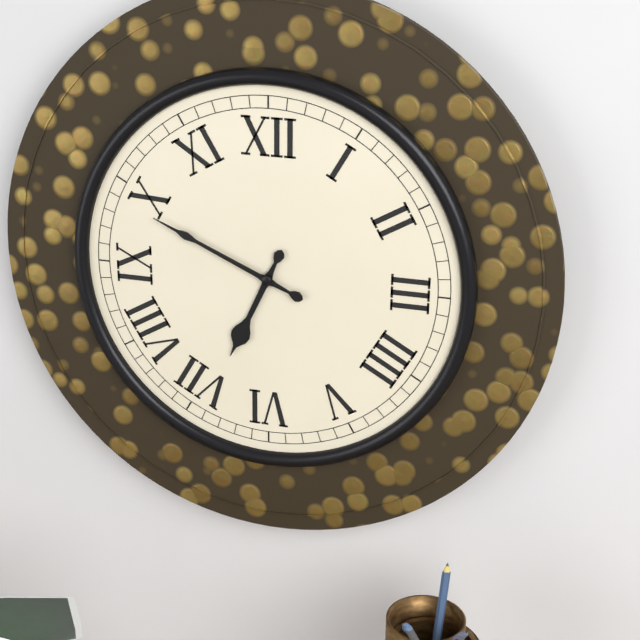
h=6 m=49
